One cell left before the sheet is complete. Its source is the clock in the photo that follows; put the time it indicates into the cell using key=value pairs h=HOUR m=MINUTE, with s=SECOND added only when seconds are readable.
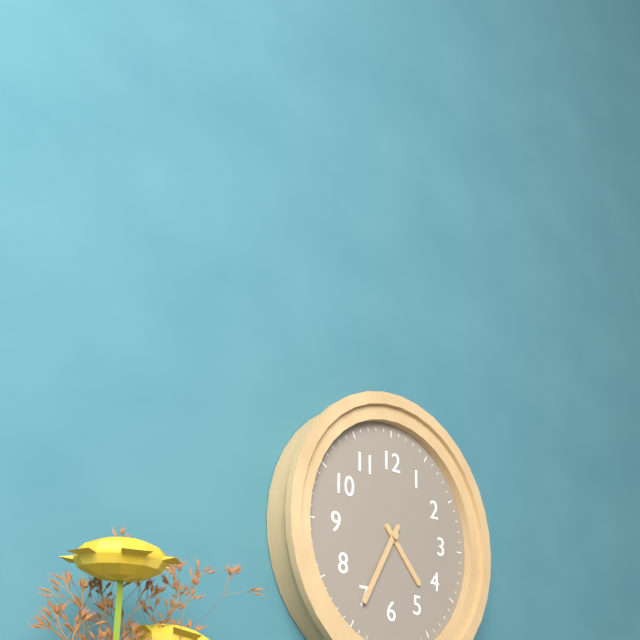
h=4 m=35
